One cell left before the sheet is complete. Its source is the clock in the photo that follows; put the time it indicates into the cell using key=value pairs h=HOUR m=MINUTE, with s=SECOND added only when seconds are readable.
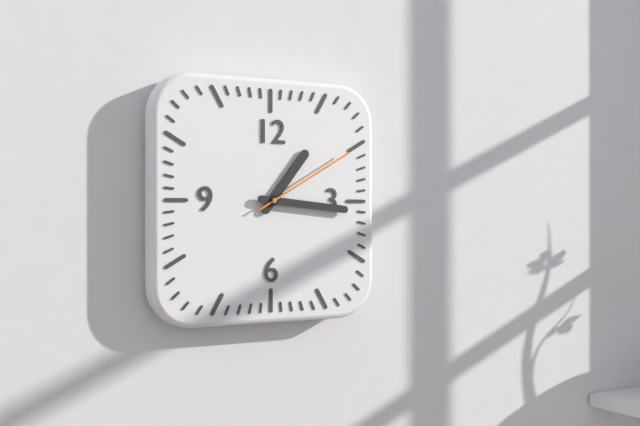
h=1 m=16 s=10
